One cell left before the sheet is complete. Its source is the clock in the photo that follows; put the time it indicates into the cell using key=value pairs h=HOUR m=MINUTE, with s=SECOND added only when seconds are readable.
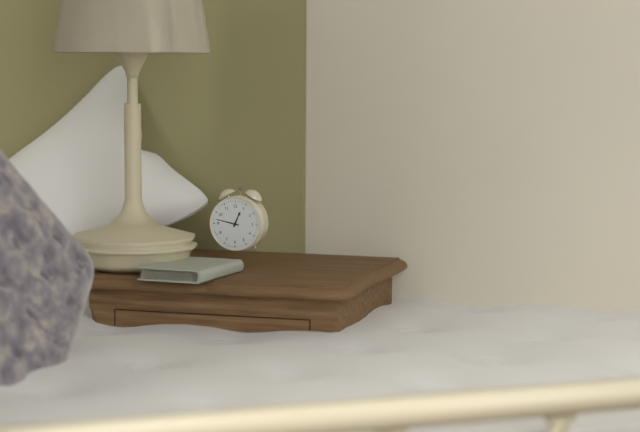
h=12 m=47
